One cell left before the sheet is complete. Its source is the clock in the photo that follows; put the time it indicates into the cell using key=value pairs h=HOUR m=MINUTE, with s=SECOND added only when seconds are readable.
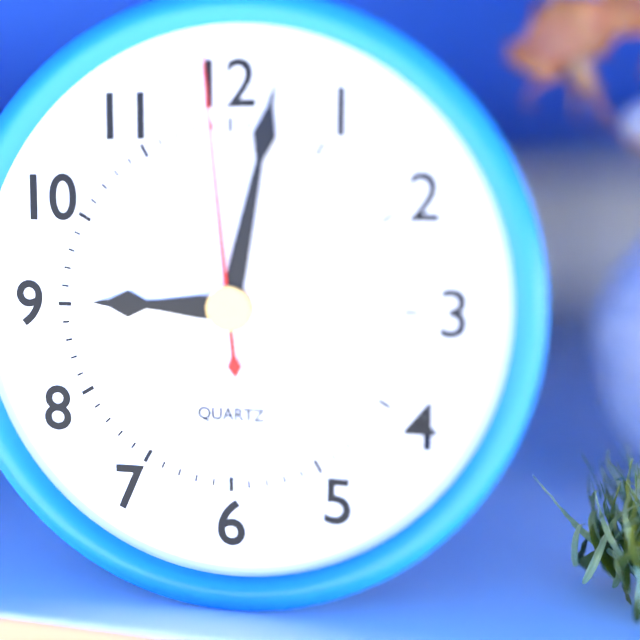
h=9 m=2 s=59
